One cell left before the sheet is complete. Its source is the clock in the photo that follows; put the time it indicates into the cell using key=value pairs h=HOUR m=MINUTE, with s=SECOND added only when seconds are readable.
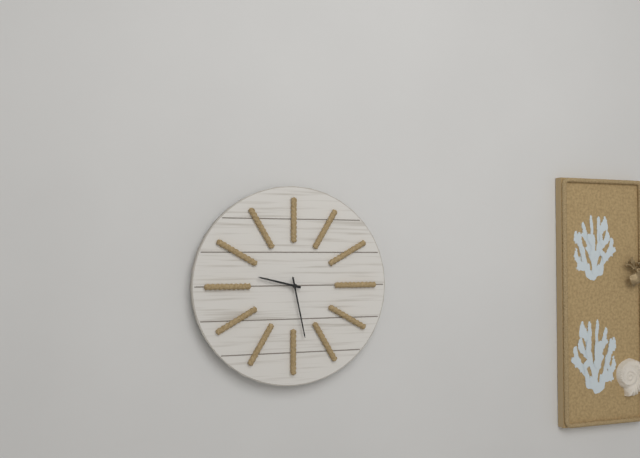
h=9 m=28
